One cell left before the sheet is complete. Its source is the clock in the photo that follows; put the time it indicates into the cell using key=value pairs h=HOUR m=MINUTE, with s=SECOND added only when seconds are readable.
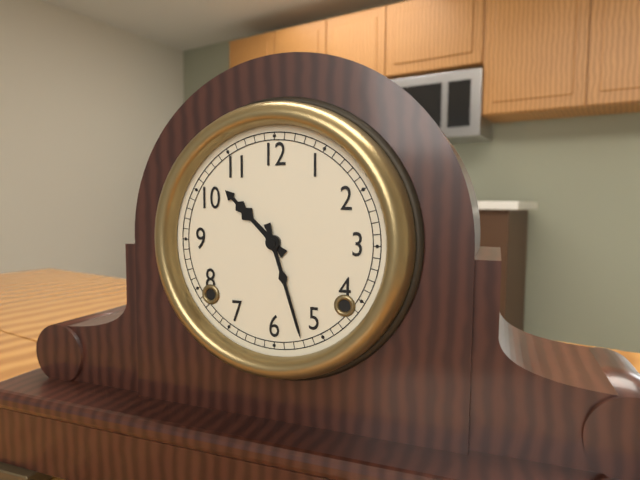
h=10 m=27
